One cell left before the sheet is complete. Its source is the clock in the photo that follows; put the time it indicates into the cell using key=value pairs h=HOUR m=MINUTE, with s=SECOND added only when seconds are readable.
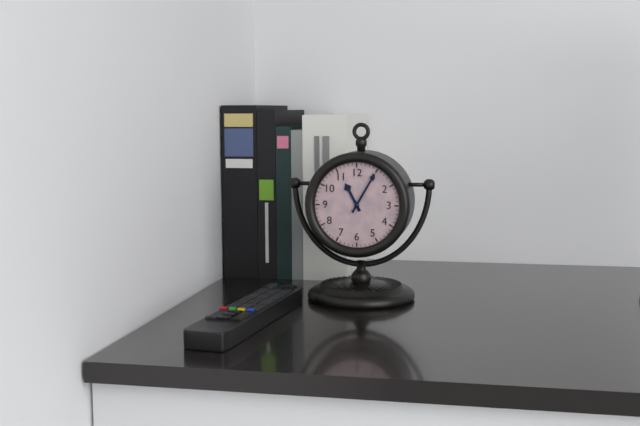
h=11 m=5
